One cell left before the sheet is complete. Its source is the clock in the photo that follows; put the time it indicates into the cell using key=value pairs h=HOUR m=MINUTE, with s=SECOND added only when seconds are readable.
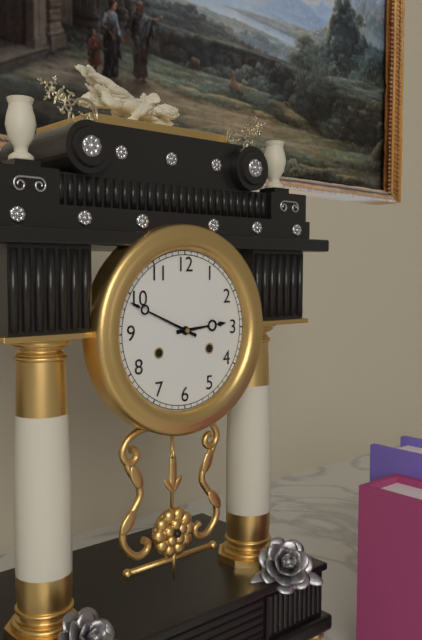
h=2 m=49
